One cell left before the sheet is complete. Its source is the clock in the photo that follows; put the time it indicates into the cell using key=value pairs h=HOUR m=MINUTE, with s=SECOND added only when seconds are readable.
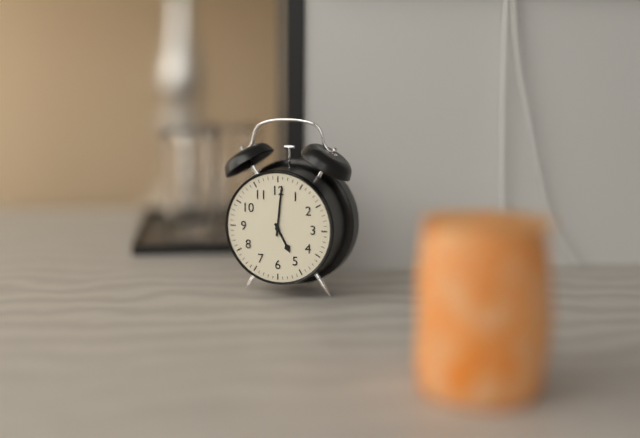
h=5 m=1
